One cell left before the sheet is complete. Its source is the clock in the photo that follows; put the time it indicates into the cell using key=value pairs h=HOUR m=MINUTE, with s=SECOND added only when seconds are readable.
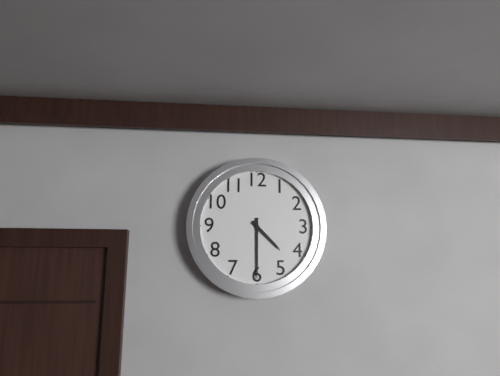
h=4 m=30
